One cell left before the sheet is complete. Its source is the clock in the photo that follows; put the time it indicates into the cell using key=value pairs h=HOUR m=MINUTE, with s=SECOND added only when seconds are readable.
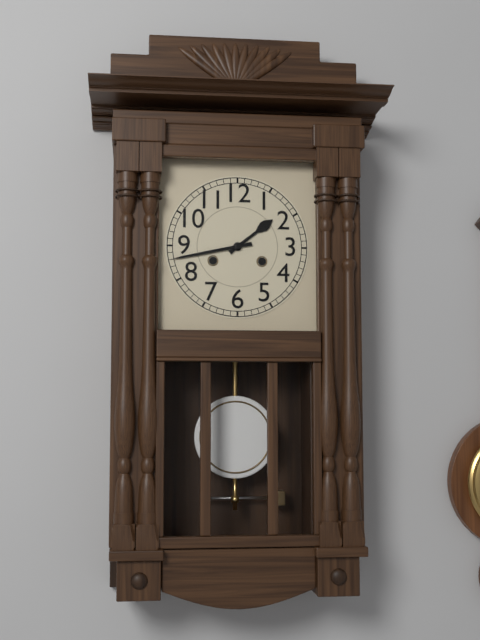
h=1 m=43
